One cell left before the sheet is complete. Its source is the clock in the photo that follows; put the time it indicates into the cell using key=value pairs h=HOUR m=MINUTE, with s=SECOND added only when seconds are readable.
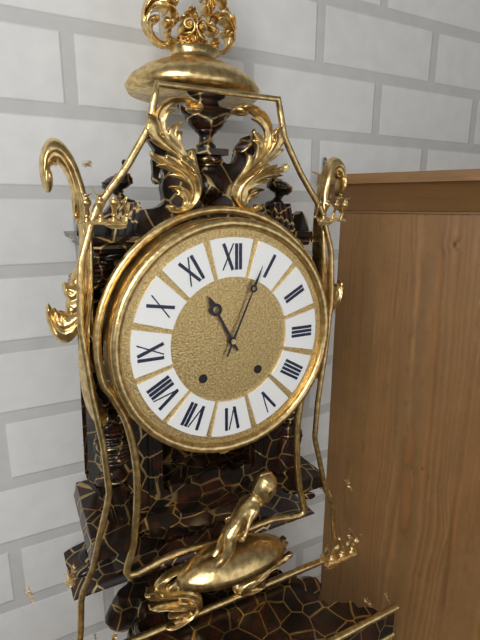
h=11 m=4
